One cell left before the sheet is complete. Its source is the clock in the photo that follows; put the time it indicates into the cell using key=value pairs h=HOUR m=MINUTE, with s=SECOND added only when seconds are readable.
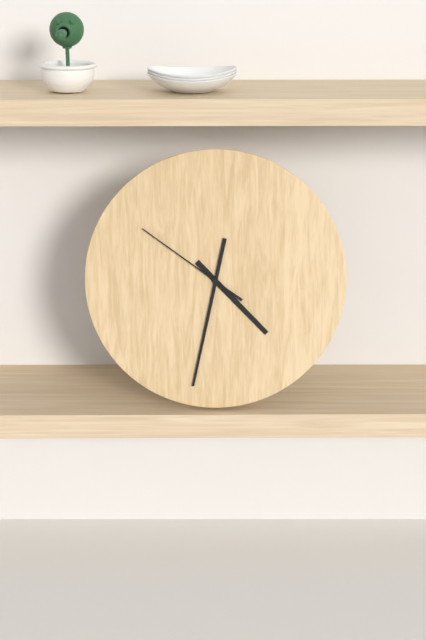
h=4 m=32 s=51
